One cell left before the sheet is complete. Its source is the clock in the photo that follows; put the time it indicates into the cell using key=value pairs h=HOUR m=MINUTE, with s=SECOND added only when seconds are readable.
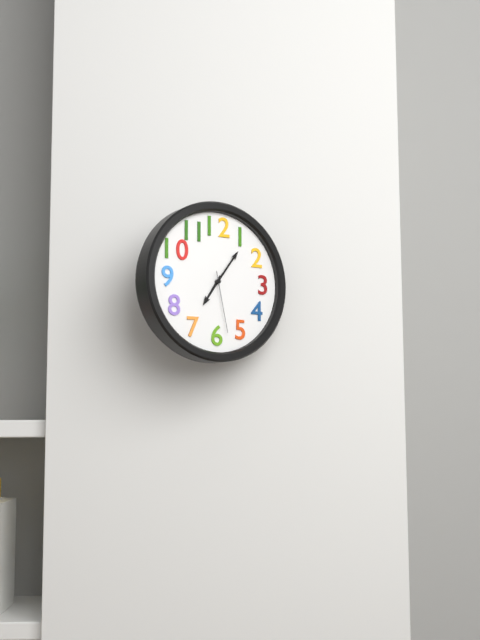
h=7 m=6 s=28
